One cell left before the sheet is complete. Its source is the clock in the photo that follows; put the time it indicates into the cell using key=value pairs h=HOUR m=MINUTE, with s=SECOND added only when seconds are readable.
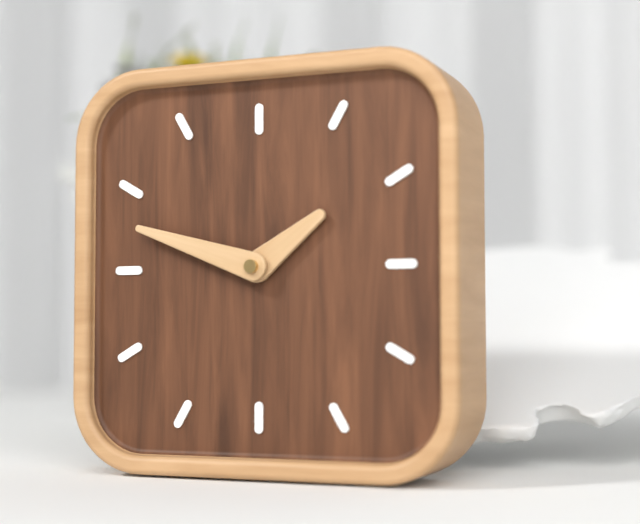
h=1 m=48
